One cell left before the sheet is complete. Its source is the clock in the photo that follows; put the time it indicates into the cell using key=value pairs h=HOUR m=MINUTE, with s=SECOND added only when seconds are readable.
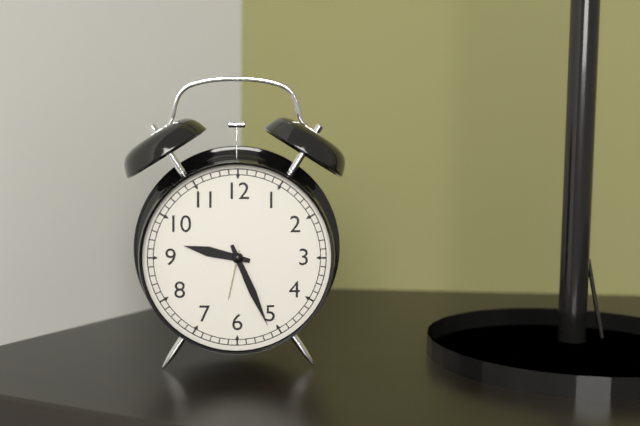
h=9 m=26
